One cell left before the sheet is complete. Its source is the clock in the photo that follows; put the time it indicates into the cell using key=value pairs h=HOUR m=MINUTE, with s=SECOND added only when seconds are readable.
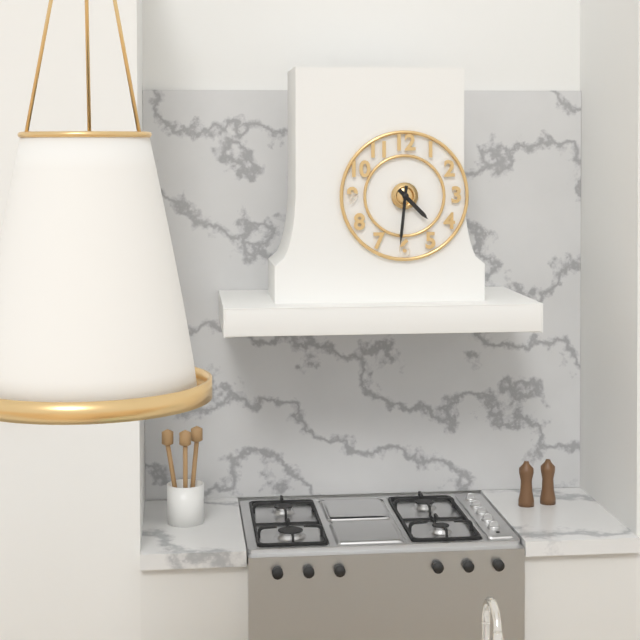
h=4 m=31
